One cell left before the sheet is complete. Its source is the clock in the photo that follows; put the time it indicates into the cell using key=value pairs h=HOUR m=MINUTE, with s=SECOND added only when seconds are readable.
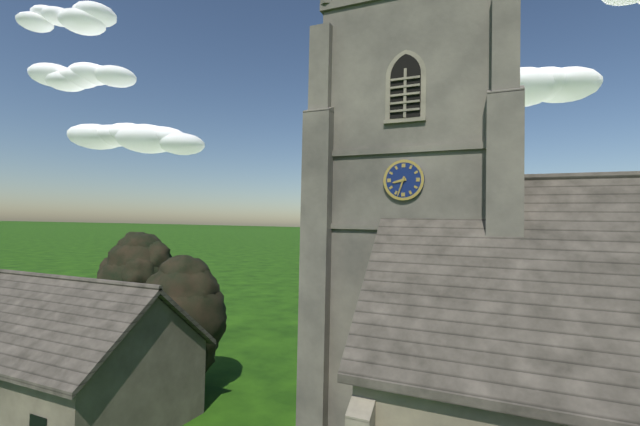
h=8 m=33
